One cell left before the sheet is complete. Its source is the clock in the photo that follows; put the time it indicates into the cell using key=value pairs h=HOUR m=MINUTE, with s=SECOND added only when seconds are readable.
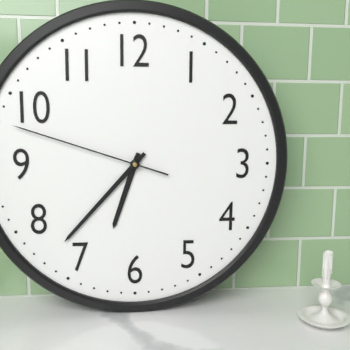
h=6 m=37 s=48
